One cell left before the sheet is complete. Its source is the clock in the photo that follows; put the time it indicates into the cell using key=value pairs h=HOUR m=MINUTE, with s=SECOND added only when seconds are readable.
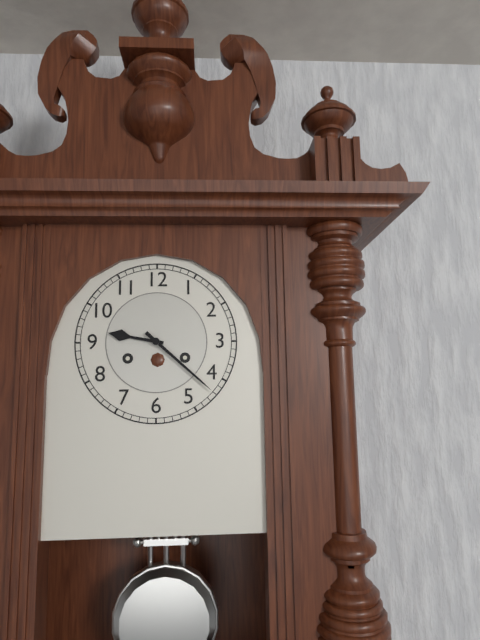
h=9 m=22
